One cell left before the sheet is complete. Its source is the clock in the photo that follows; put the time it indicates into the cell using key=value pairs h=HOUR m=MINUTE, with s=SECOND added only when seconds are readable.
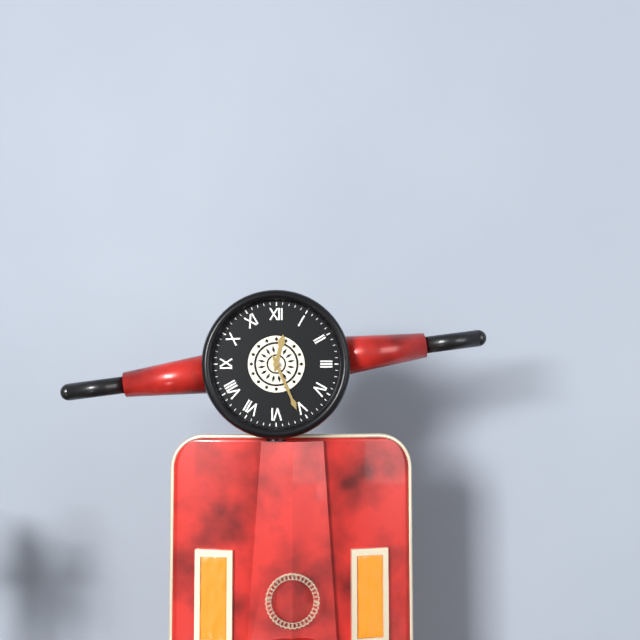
h=12 m=26
